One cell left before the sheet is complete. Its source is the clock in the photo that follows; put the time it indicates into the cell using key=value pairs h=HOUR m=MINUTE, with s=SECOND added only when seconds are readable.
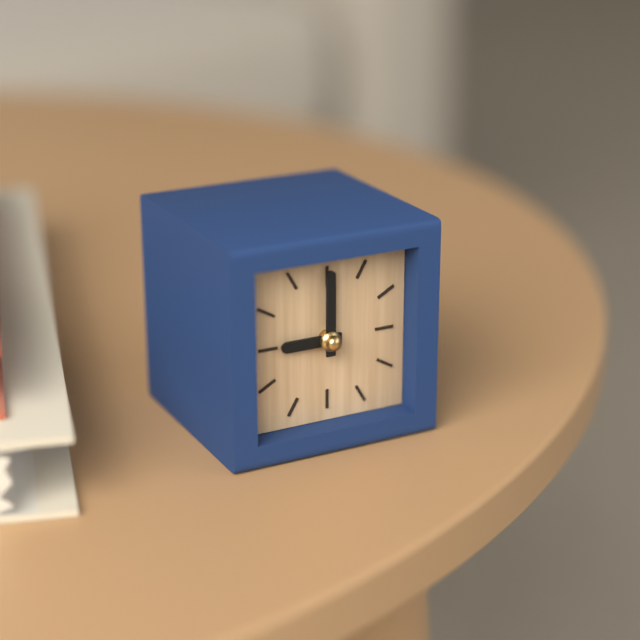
h=9 m=0
